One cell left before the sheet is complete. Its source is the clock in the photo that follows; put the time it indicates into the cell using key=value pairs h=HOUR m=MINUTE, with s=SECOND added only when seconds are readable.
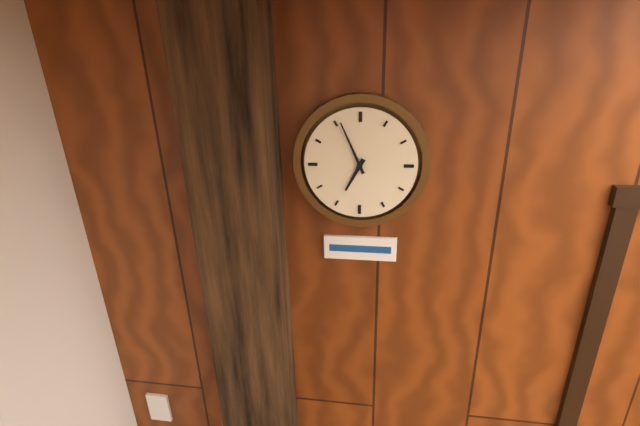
h=6 m=56
